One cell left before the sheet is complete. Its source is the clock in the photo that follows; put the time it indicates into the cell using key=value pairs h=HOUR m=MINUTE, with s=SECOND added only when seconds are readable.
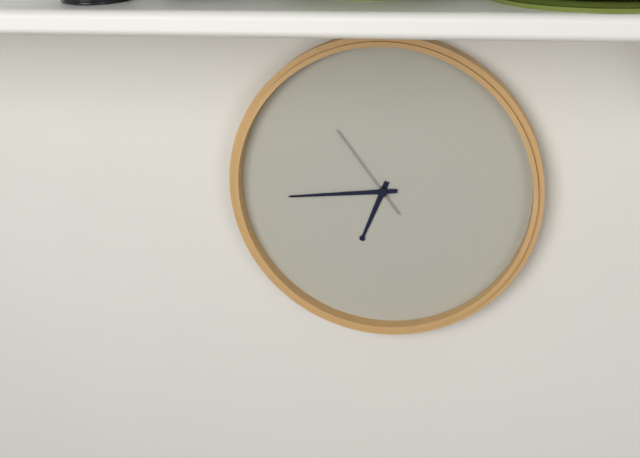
h=6 m=44 s=54
